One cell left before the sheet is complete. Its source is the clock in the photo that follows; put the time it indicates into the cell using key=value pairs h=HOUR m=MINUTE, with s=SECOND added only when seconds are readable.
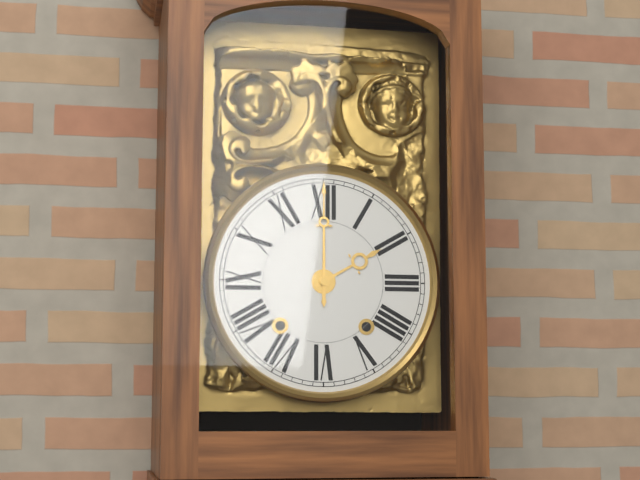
h=2 m=0
